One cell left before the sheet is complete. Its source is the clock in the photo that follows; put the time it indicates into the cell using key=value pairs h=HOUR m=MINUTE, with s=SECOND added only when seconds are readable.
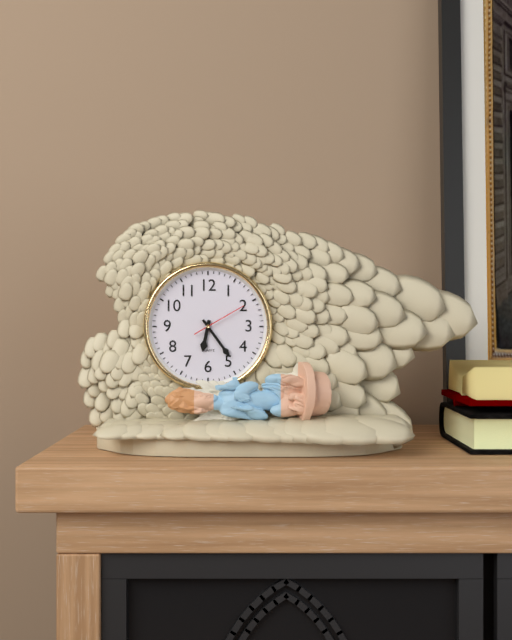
h=6 m=24 s=10
